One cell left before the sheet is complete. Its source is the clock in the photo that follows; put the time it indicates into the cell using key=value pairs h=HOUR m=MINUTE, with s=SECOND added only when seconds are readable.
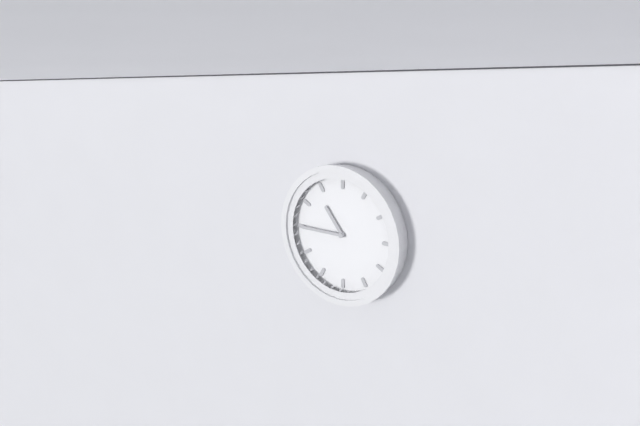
h=10 m=45
